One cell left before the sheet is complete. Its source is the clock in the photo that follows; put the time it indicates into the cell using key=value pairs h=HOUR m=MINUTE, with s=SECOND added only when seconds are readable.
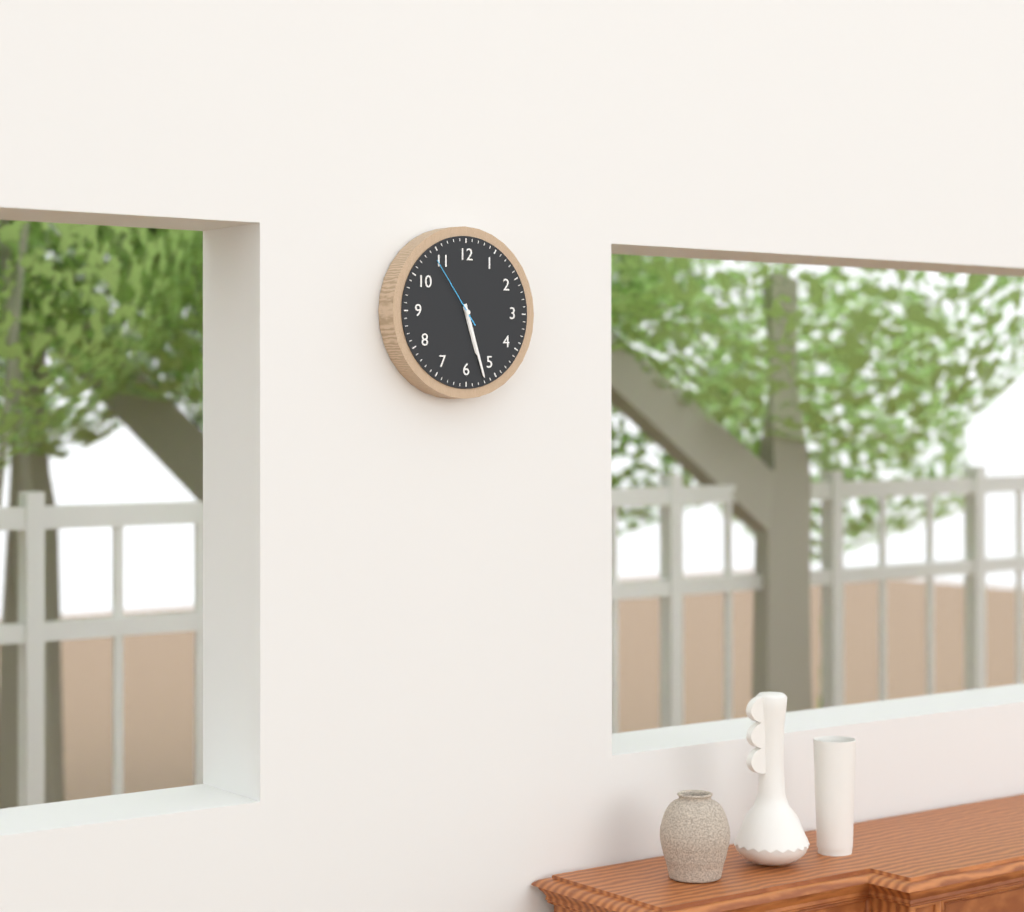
h=5 m=27 s=54
